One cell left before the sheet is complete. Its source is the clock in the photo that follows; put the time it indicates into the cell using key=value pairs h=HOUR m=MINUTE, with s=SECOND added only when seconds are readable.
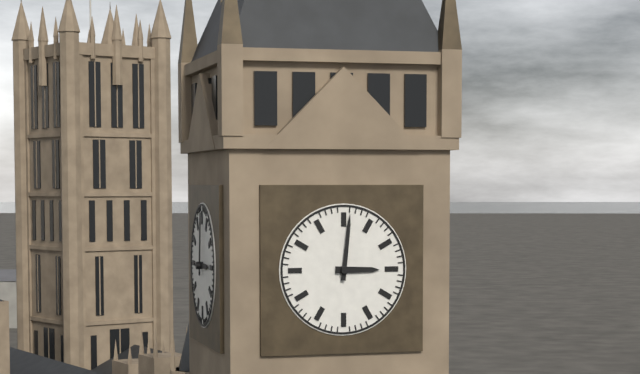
h=3 m=1
